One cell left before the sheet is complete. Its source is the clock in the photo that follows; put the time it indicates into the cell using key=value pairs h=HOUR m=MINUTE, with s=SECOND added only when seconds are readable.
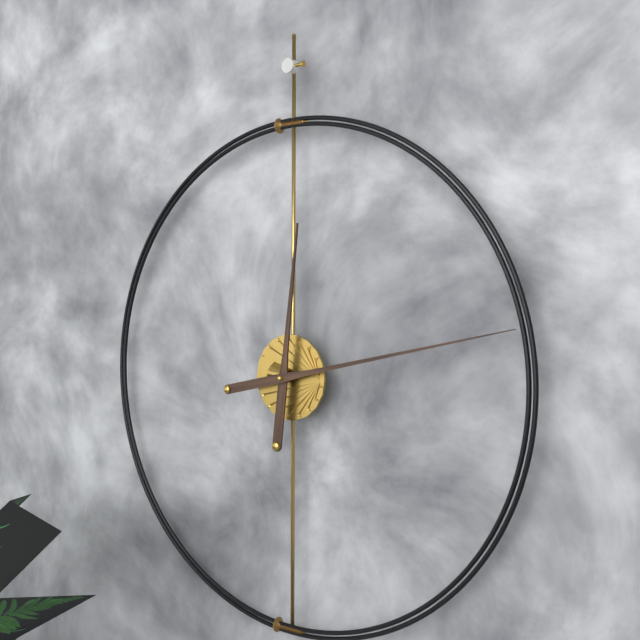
h=12 m=13
